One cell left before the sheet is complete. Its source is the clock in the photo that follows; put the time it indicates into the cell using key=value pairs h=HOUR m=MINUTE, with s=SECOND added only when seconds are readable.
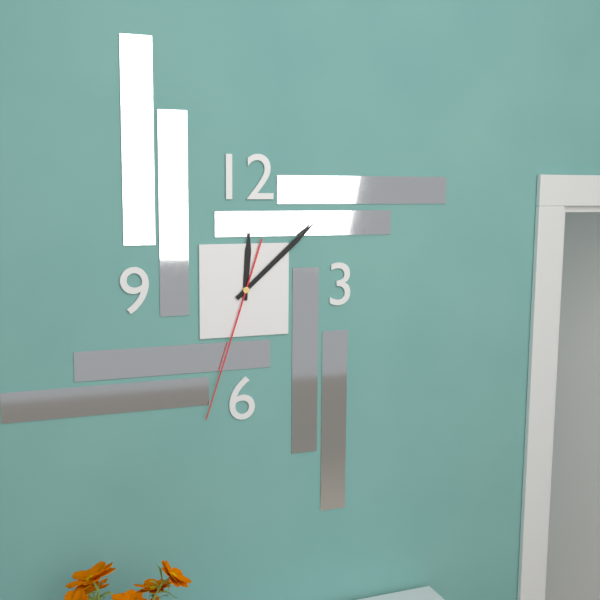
h=12 m=8 s=33
